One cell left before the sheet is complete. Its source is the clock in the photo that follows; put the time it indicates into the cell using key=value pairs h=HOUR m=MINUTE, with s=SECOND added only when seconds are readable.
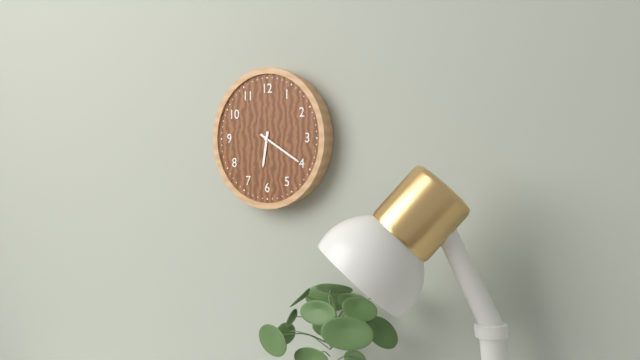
h=6 m=20
